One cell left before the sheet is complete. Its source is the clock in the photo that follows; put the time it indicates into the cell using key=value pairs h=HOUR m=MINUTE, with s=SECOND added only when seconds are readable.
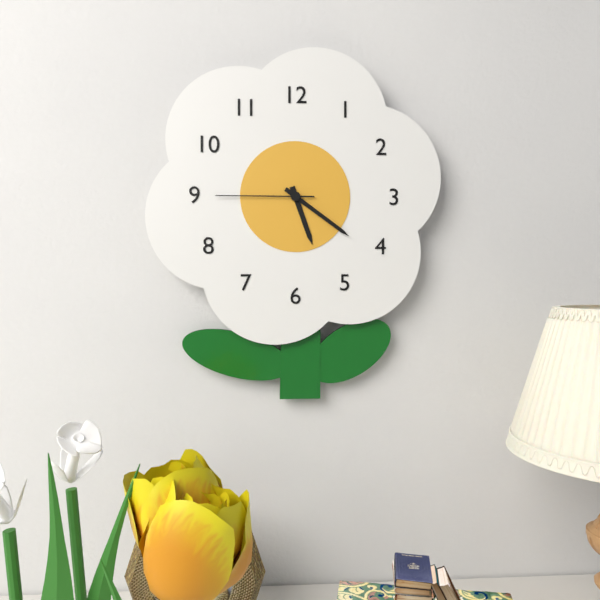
h=5 m=21 s=45
